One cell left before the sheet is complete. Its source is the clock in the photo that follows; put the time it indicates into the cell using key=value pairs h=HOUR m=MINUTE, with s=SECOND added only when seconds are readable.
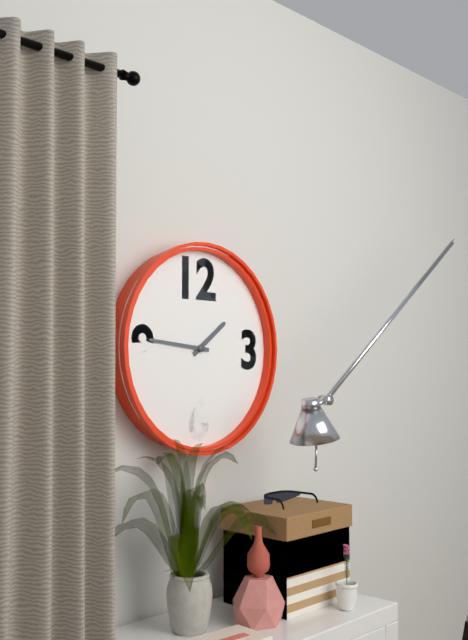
h=1 m=46
